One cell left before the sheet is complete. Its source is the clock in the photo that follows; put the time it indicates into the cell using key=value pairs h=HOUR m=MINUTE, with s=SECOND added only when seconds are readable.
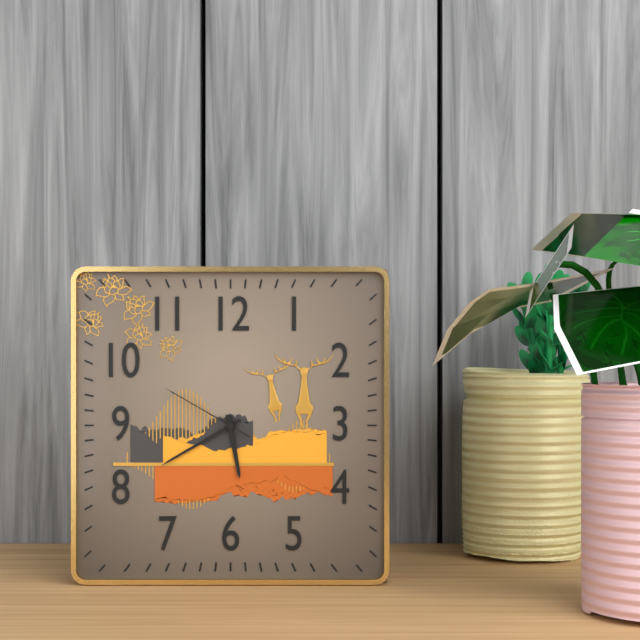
h=5 m=40 s=50
